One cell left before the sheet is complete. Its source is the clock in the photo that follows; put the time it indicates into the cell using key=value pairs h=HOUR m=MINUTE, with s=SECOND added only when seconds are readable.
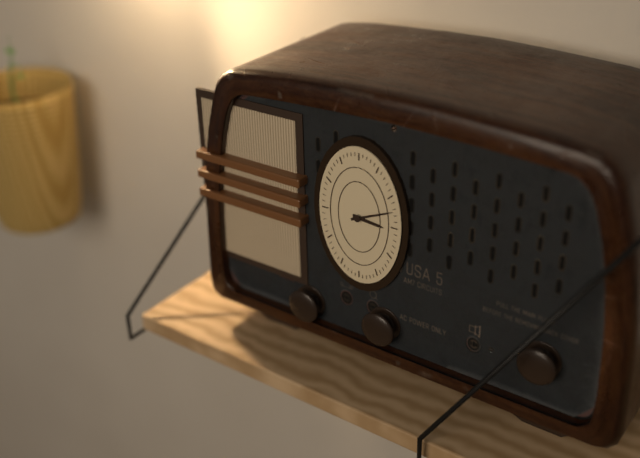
h=3 m=11
